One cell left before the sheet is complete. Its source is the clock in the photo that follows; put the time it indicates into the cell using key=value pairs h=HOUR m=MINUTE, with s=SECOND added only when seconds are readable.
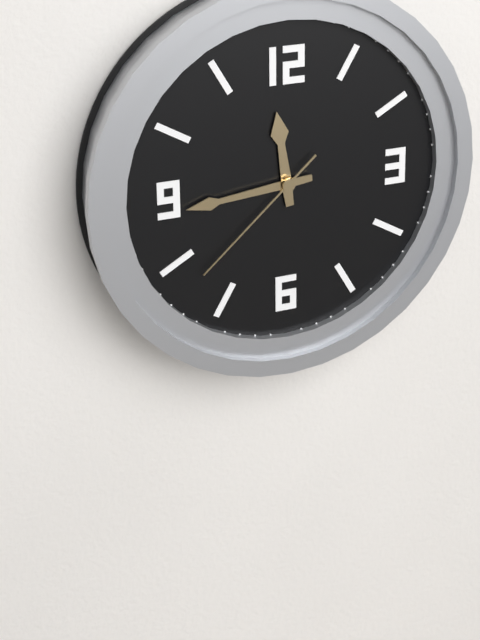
h=11 m=44 s=38
